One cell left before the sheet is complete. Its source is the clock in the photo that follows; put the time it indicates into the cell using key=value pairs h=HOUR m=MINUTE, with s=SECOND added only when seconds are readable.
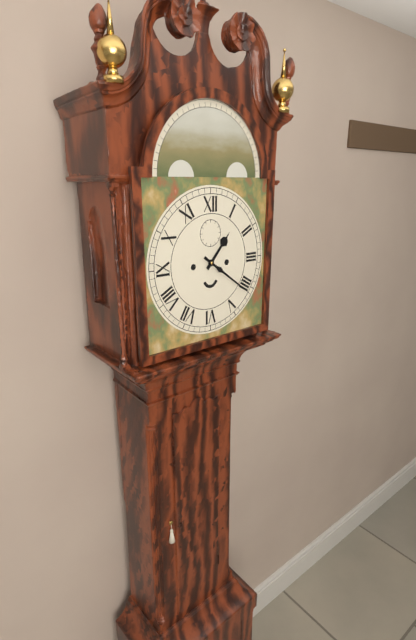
h=1 m=21
